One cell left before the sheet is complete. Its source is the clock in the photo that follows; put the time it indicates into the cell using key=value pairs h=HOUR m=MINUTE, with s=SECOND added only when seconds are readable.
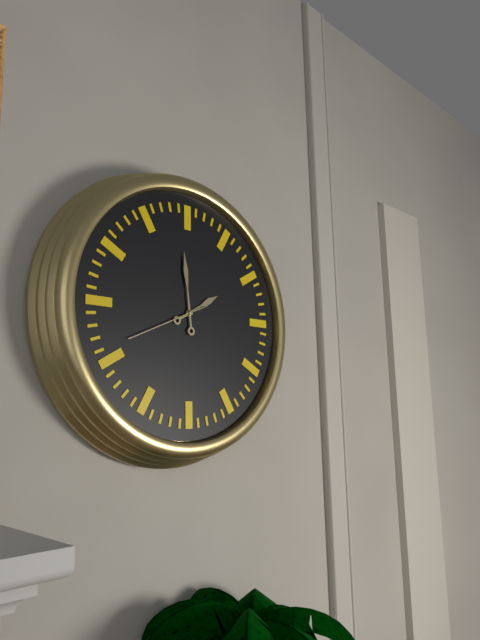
h=1 m=59 s=41
